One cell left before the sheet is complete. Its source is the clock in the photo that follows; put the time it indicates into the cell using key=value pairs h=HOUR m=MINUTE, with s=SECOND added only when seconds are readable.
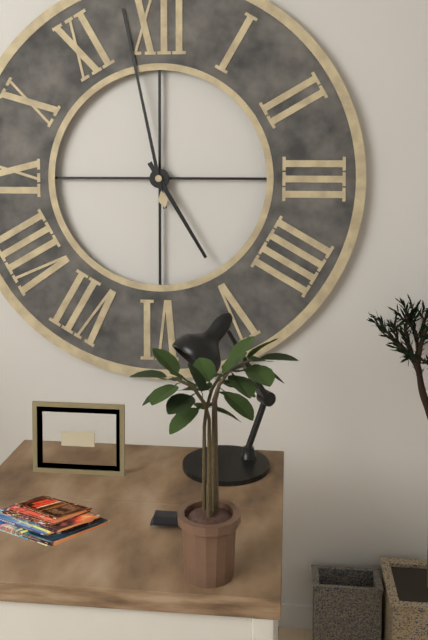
h=4 m=58
